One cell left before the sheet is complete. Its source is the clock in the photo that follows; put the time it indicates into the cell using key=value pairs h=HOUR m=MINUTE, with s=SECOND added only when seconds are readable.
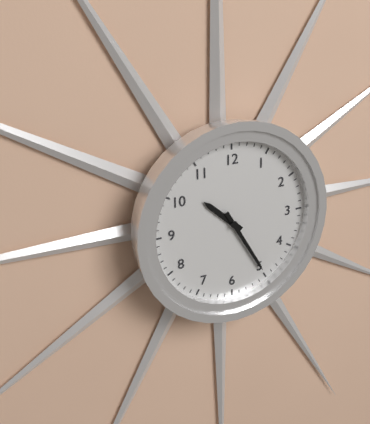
h=10 m=25
